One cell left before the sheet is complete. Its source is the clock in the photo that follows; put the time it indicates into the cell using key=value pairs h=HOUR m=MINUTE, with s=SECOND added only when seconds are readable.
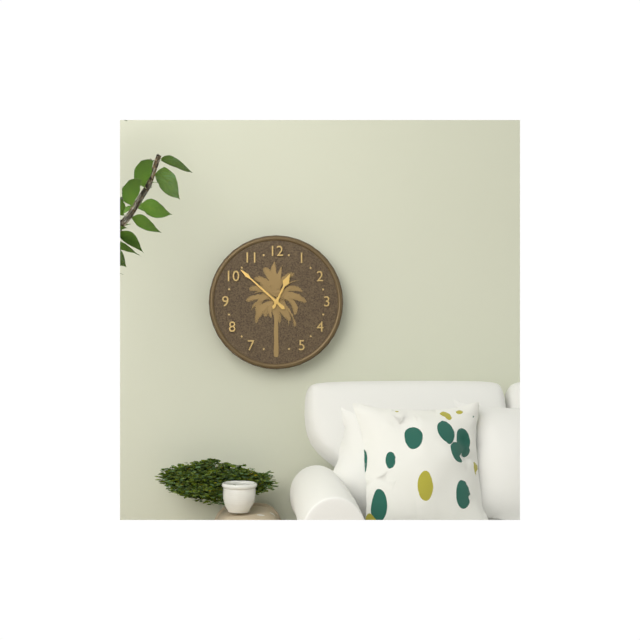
h=12 m=52
